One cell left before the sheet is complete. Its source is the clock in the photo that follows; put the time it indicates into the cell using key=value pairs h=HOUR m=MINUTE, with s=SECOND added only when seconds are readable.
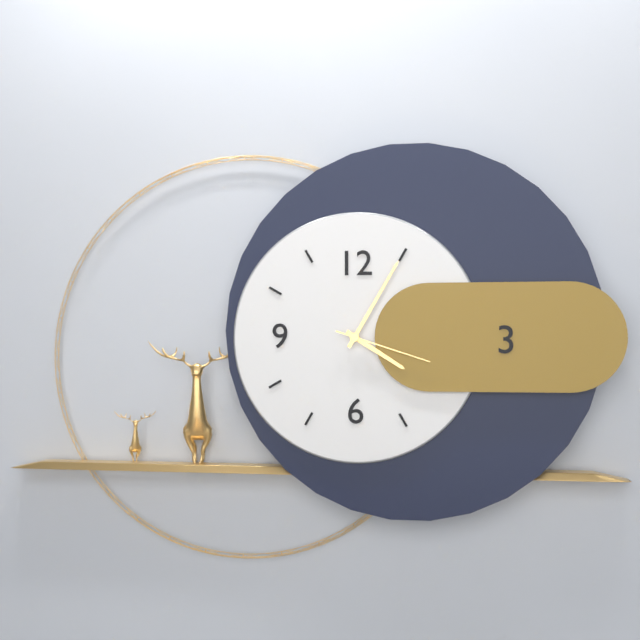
h=4 m=5 s=18
